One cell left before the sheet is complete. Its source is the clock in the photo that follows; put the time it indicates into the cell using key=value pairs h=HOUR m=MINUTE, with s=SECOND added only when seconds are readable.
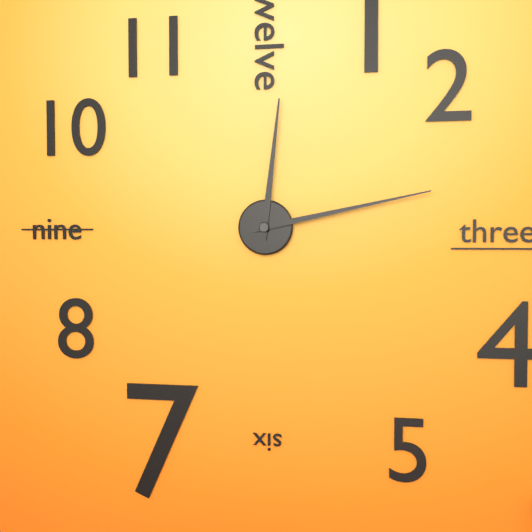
h=12 m=13
